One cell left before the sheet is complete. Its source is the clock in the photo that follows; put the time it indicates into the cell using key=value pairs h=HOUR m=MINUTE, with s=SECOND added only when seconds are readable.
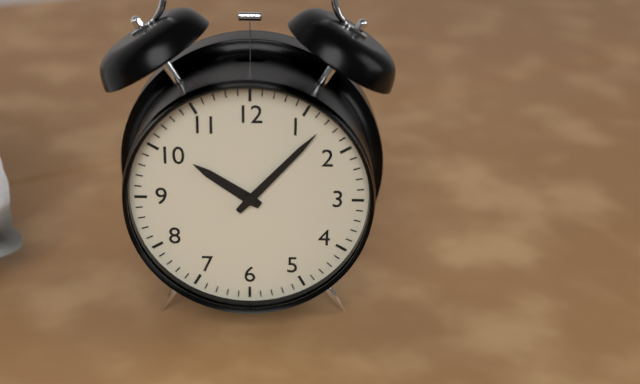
h=10 m=7
